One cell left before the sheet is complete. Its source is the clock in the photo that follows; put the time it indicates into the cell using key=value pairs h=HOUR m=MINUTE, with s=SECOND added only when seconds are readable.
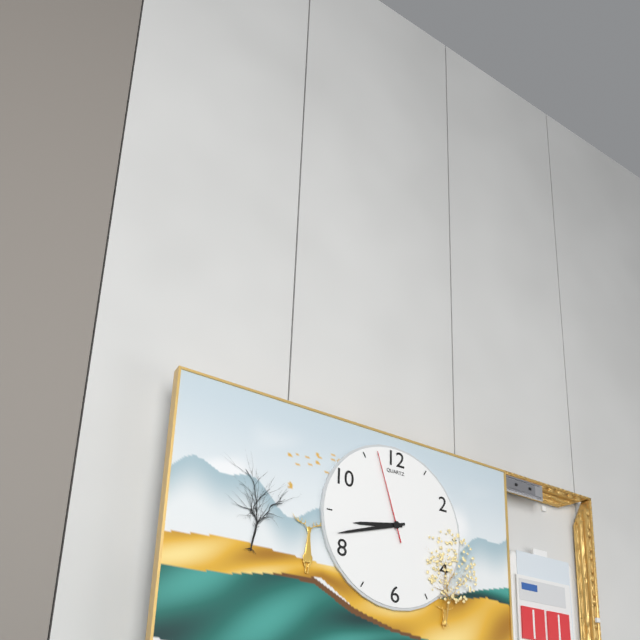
h=8 m=42 s=57
